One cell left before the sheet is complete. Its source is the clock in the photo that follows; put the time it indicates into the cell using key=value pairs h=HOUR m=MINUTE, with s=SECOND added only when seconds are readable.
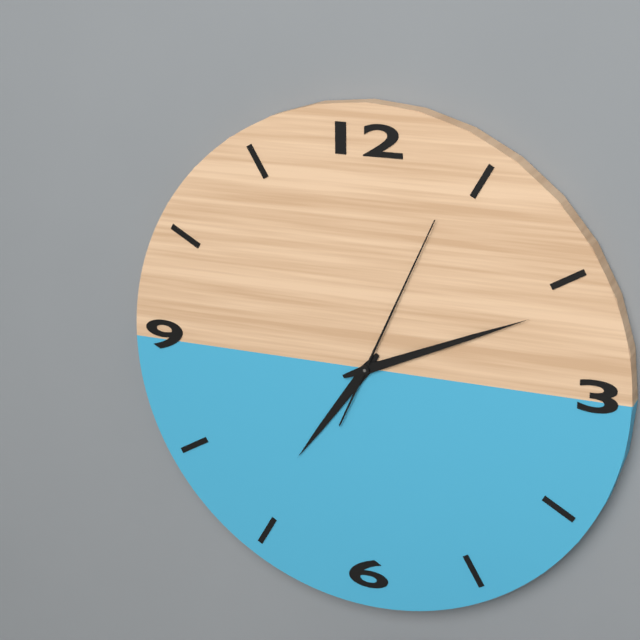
h=7 m=11 s=4
